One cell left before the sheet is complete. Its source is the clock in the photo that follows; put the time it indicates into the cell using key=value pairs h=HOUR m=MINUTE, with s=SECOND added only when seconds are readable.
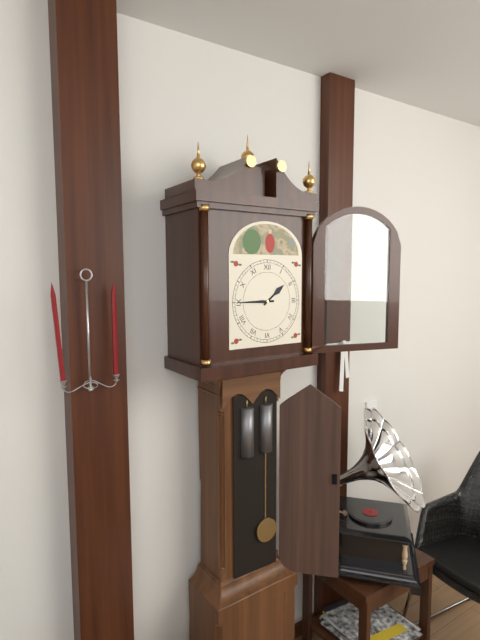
h=1 m=45
